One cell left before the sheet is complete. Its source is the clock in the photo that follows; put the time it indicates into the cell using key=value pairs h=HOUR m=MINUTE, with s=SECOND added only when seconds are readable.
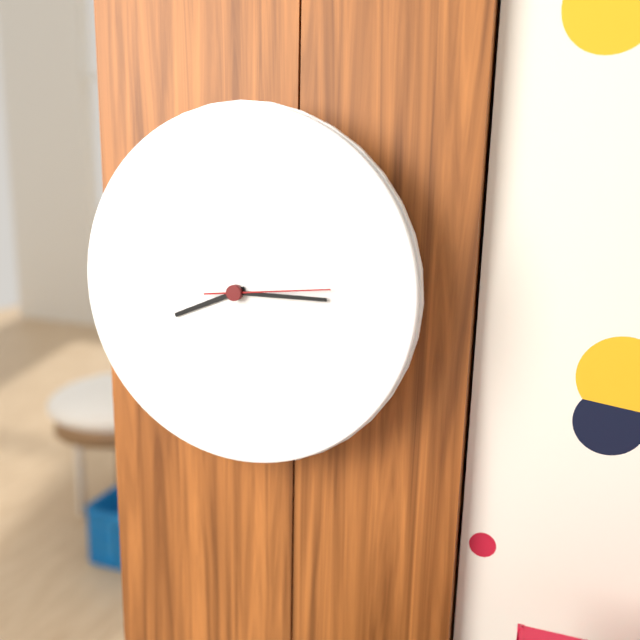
h=8 m=15 s=14
